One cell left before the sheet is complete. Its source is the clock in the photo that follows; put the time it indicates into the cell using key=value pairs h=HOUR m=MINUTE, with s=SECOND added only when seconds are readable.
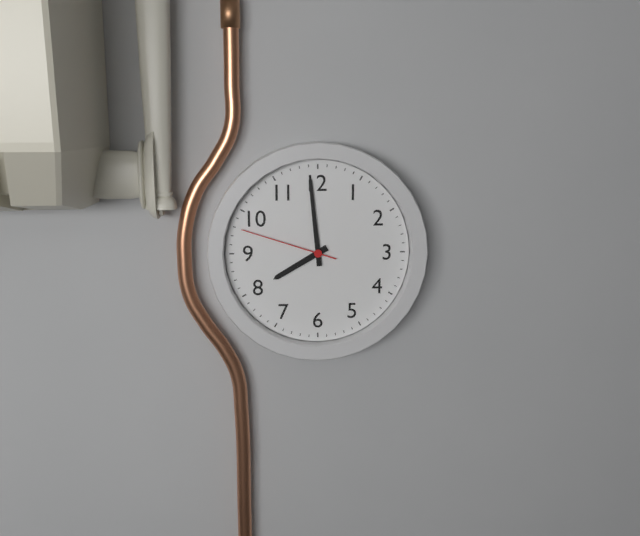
h=7 m=59 s=48
